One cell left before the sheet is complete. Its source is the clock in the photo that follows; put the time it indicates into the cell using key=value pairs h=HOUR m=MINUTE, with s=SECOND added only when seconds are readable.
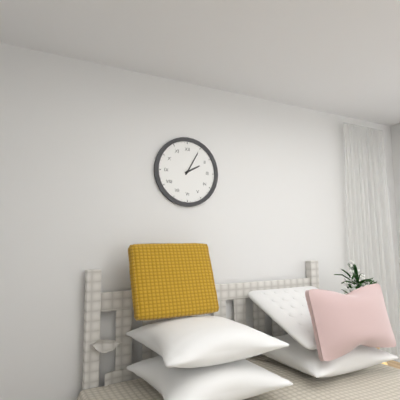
h=2 m=5
